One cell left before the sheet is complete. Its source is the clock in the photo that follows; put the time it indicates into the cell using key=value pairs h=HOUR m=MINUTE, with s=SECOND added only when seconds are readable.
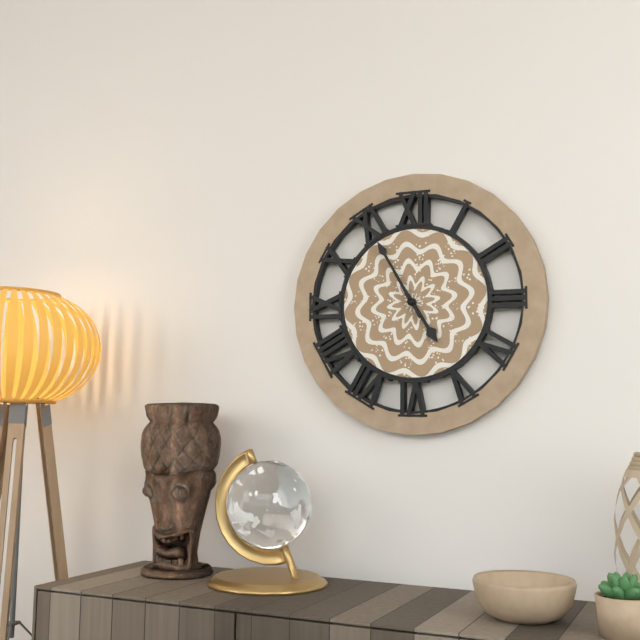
h=4 m=55
